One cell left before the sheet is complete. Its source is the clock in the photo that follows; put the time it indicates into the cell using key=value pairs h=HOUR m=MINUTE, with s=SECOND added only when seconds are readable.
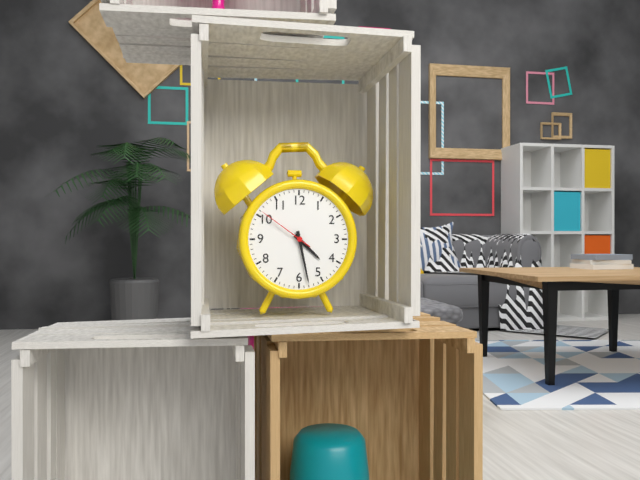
h=4 m=28 s=51
